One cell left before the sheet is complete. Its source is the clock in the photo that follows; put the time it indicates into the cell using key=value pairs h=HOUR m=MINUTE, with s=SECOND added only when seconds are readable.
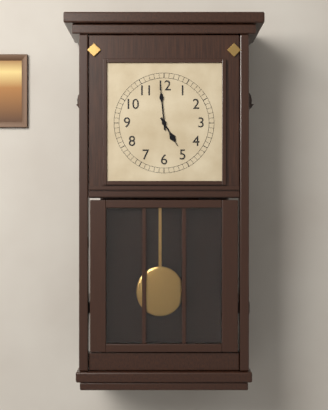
h=4 m=59
